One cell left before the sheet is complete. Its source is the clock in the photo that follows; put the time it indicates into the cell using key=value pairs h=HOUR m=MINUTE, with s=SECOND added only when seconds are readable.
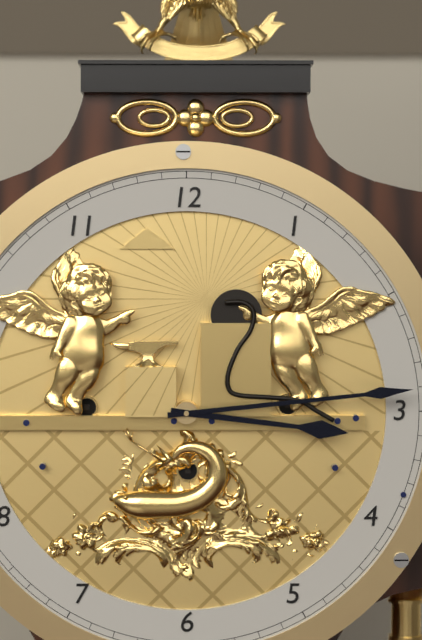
h=3 m=14
